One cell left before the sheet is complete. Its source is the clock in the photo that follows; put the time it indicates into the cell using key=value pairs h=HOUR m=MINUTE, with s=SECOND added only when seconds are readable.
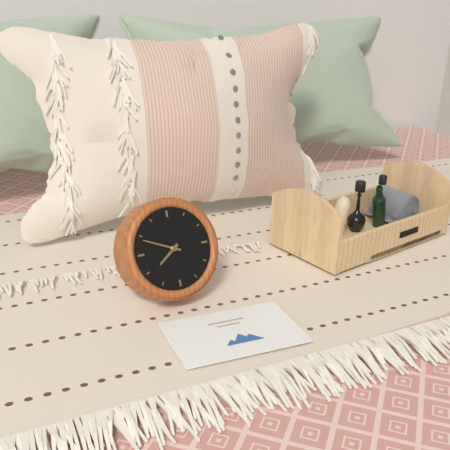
h=7 m=49
